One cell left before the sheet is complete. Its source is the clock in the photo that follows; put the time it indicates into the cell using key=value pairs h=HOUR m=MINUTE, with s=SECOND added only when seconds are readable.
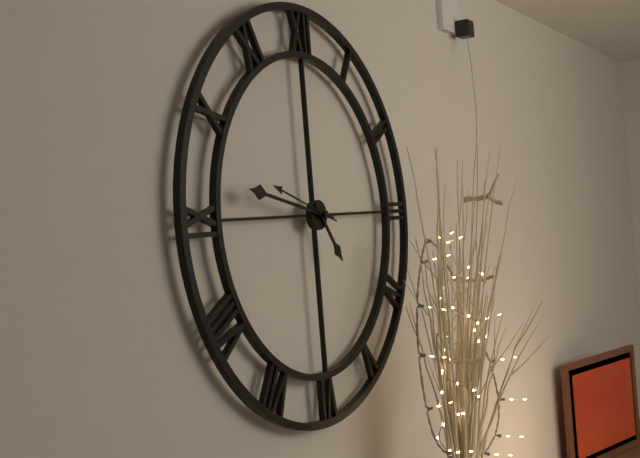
h=4 m=47 s=48
